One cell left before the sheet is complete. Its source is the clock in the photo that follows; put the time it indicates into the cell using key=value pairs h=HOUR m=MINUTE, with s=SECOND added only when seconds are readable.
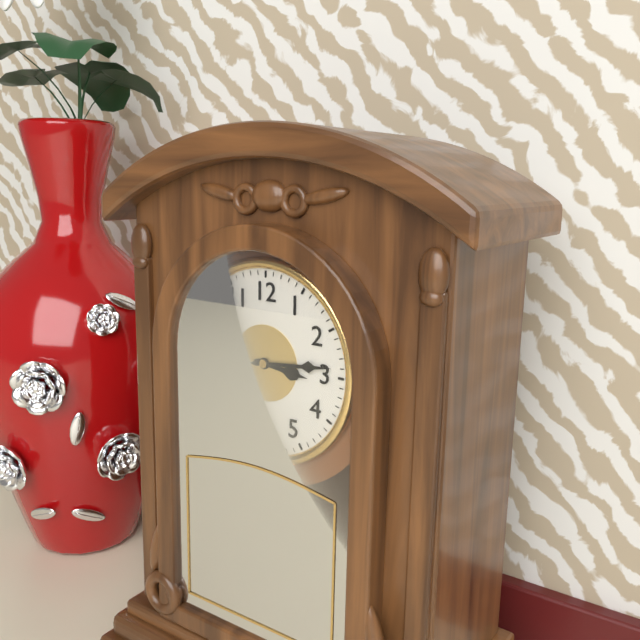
h=3 m=14
